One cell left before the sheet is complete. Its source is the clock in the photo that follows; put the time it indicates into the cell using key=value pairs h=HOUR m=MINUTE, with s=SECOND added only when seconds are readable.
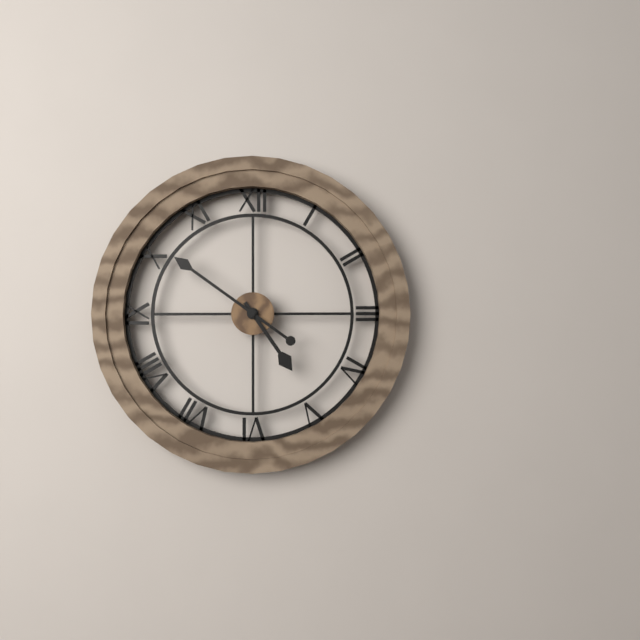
h=4 m=51
